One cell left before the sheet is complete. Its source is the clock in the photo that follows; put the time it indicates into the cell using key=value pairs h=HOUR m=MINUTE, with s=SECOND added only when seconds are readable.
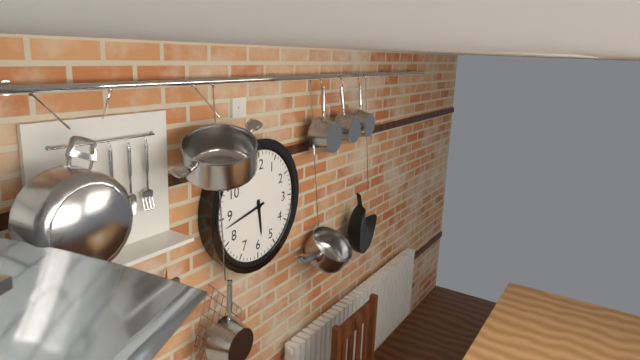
h=5 m=43
